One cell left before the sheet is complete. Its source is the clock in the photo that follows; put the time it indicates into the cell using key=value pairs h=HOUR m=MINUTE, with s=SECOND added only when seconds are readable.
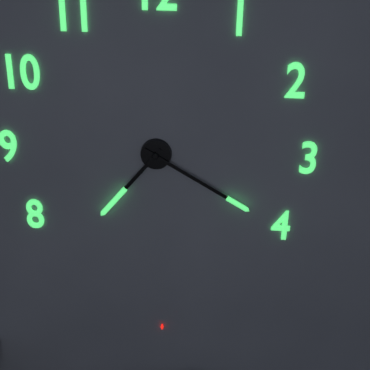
h=7 m=20
